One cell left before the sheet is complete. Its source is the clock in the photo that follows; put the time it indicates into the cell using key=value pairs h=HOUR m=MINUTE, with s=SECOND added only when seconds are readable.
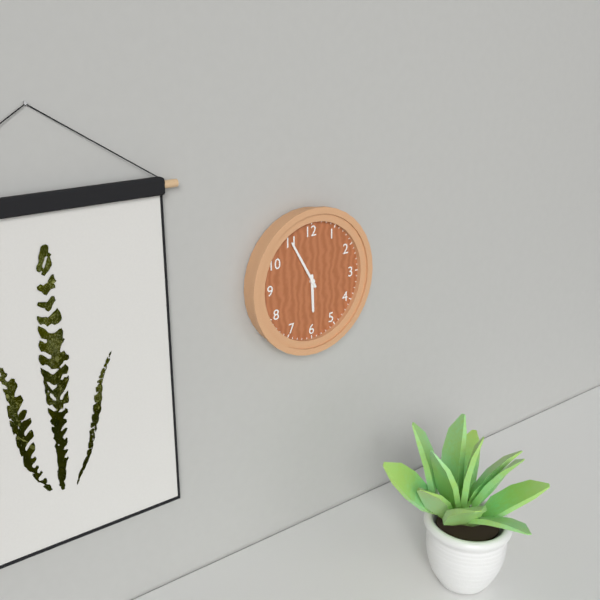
h=5 m=55
